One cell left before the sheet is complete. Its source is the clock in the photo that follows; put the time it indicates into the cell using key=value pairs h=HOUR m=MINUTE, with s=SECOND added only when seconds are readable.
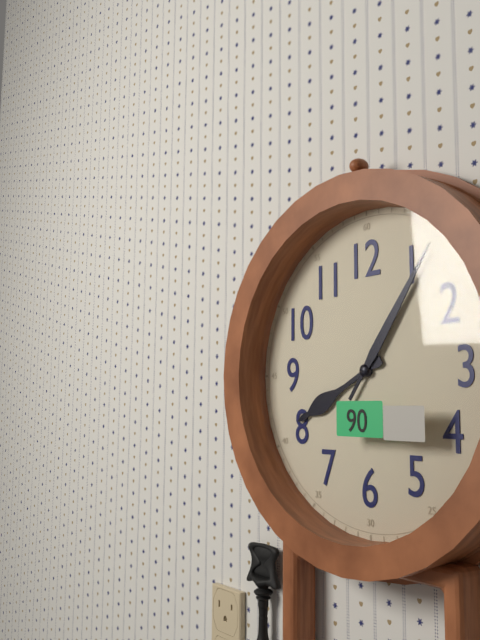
h=8 m=6
